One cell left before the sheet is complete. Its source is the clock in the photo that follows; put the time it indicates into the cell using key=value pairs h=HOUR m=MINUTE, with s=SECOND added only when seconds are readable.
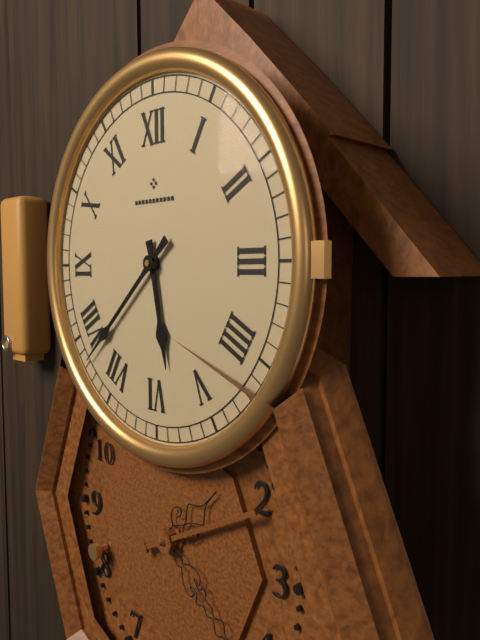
h=5 m=38
